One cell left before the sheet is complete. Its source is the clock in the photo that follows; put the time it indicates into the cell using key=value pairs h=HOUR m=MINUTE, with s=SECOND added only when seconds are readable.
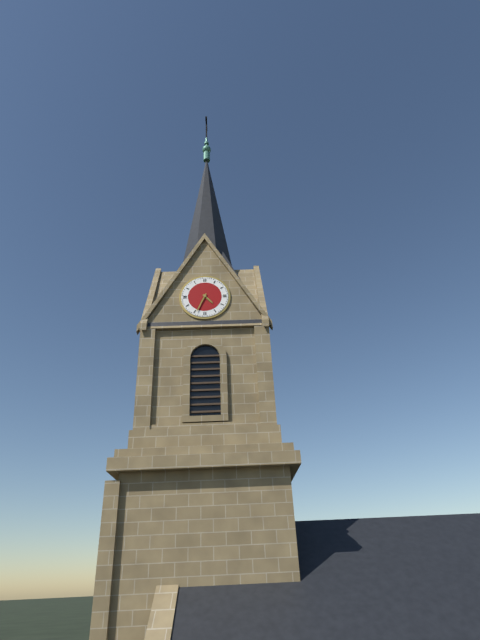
h=4 m=34
